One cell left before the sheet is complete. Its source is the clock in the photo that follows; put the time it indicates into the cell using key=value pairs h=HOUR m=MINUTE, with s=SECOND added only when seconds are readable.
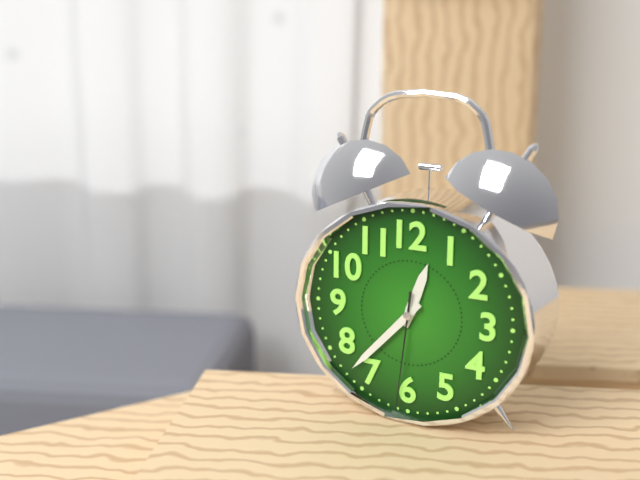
h=12 m=37 s=31
